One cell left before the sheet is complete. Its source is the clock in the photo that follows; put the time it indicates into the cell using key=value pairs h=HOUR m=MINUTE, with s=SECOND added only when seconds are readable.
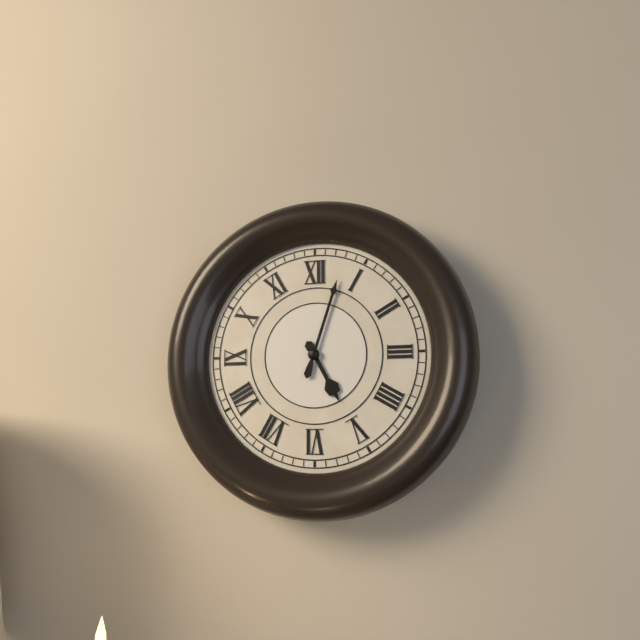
h=5 m=3
